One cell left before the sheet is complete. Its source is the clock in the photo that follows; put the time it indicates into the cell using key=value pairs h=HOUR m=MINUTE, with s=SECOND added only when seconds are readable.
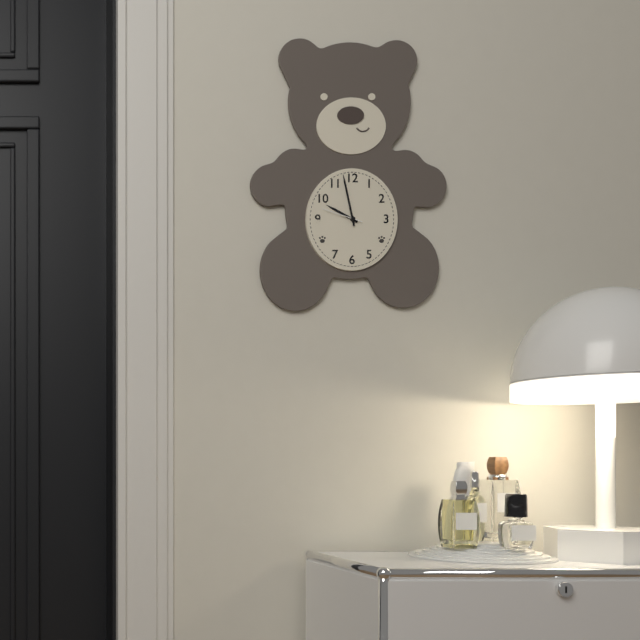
h=9 m=58
